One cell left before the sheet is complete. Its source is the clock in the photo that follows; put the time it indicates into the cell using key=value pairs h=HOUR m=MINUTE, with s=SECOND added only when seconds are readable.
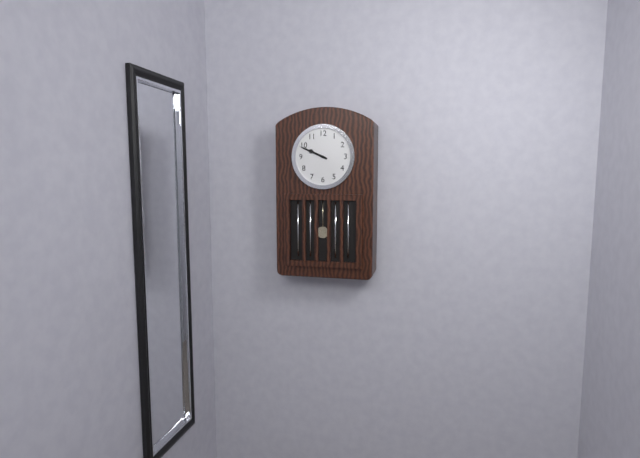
h=9 m=49
